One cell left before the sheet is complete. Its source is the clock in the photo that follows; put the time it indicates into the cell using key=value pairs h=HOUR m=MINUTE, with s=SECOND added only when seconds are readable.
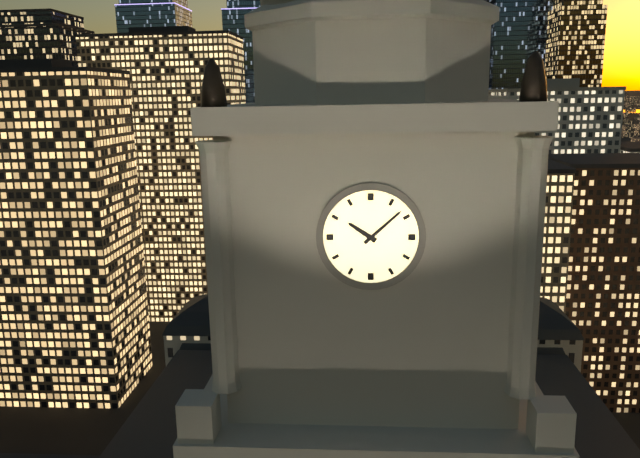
h=10 m=8
